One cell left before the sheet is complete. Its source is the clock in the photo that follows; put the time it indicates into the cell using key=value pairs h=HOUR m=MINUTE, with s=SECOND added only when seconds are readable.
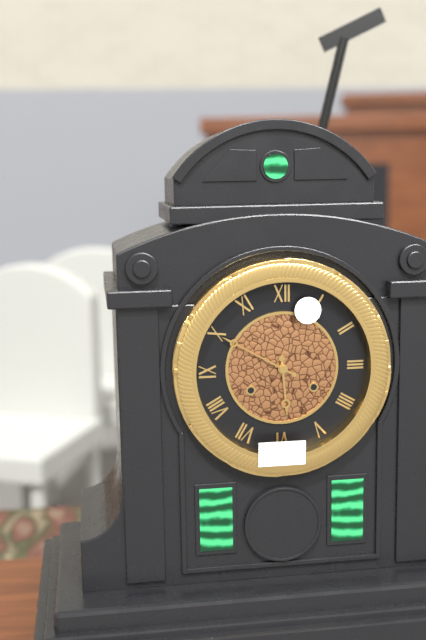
h=5 m=50
